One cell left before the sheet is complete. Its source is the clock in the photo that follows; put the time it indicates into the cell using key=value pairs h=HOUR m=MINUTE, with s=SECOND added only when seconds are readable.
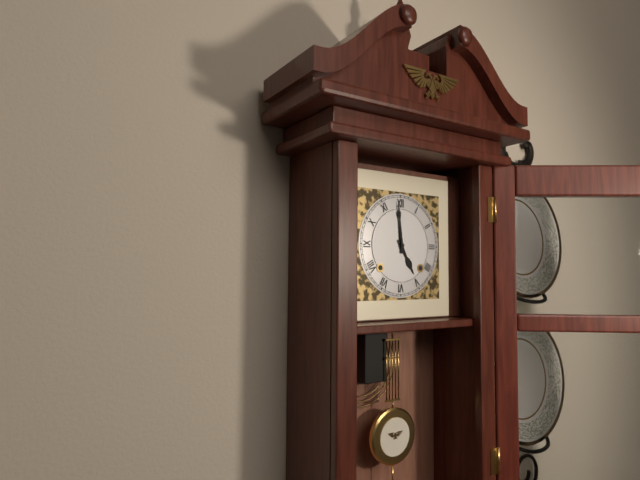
h=4 m=59
